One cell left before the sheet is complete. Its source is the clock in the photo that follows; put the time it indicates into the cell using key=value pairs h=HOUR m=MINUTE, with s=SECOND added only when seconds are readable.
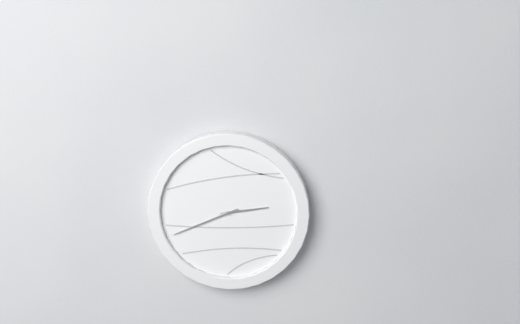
h=2 m=41
